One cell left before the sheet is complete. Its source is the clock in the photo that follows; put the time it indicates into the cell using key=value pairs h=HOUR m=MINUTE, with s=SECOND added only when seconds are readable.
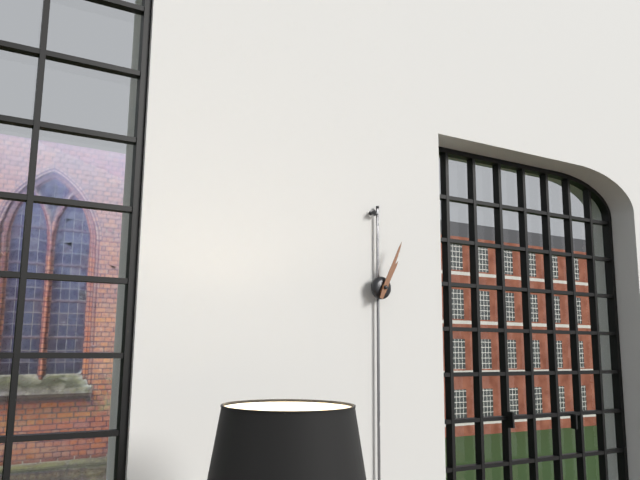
h=1 m=4
